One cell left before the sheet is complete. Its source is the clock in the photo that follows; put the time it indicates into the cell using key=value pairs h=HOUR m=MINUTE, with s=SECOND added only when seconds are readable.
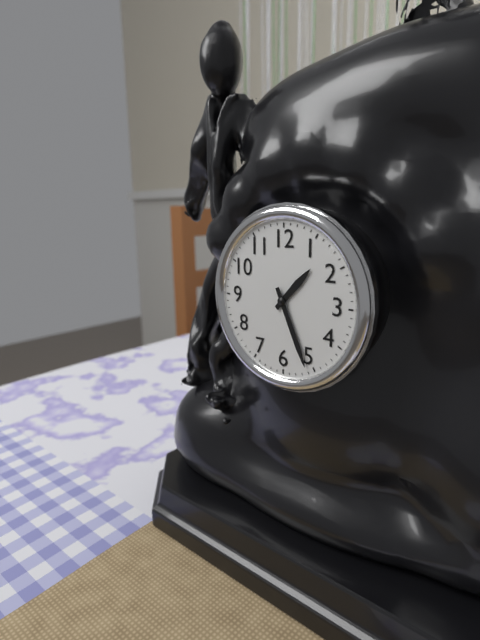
h=1 m=26
